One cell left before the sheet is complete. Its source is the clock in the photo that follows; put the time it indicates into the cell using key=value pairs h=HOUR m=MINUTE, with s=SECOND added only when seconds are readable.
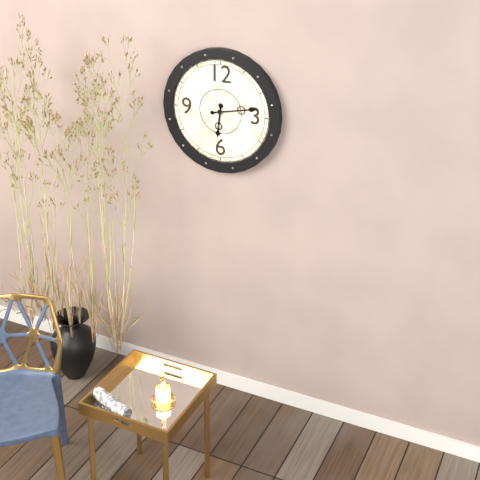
h=6 m=13
